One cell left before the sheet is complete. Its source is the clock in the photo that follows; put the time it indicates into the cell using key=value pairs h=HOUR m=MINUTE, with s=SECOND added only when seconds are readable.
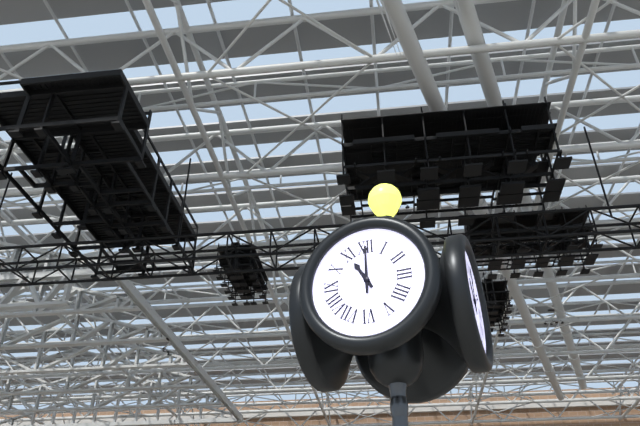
h=11 m=0
